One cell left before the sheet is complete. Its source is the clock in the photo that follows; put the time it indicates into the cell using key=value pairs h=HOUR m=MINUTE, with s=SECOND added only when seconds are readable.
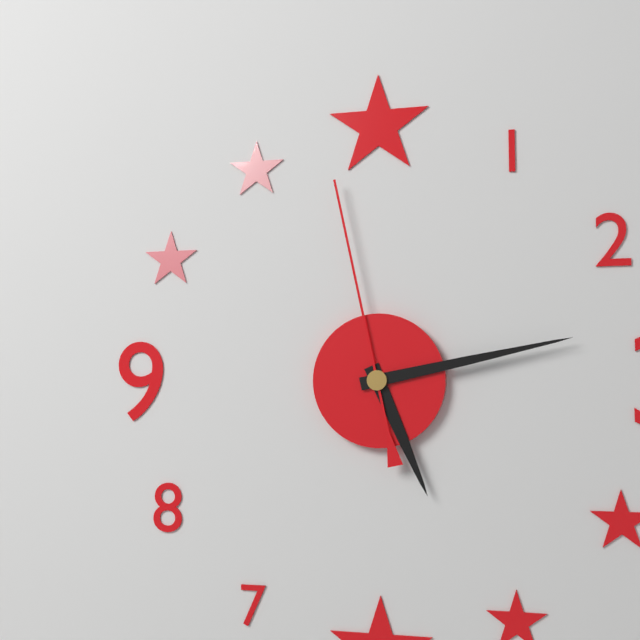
h=5 m=13 s=58
